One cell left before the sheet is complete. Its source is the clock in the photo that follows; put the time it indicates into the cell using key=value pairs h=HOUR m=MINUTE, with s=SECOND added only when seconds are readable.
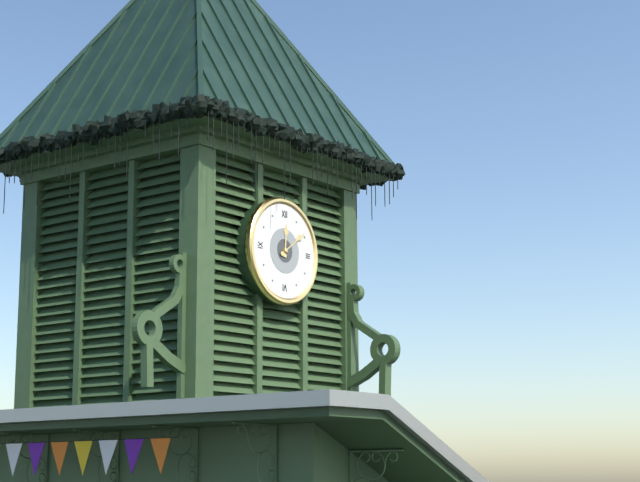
h=12 m=9
